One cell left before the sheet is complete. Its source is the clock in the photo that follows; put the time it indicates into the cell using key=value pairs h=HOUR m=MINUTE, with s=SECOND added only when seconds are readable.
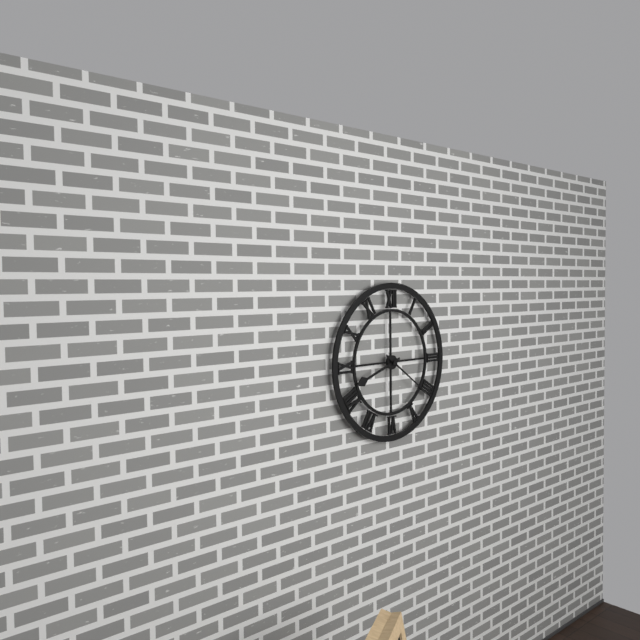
h=8 m=21
